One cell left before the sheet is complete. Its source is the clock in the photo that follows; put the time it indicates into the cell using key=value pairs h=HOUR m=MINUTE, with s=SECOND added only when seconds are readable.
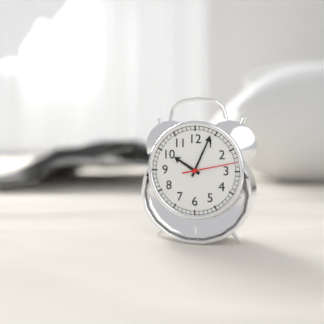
h=10 m=4 s=13
